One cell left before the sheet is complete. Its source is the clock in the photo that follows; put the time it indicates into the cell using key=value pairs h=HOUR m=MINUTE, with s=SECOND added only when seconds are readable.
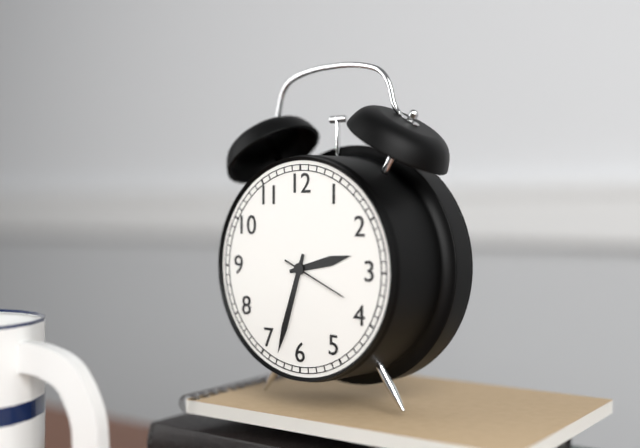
h=2 m=33 s=19
